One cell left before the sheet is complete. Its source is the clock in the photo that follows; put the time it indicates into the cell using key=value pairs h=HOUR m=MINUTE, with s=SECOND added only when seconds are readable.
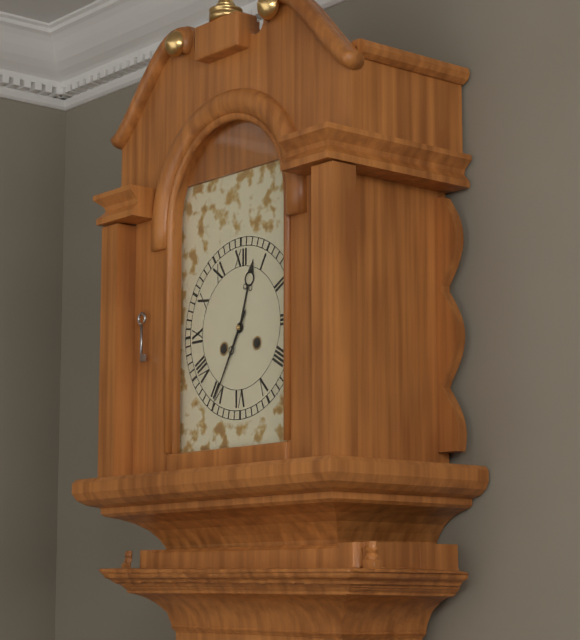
h=12 m=35
